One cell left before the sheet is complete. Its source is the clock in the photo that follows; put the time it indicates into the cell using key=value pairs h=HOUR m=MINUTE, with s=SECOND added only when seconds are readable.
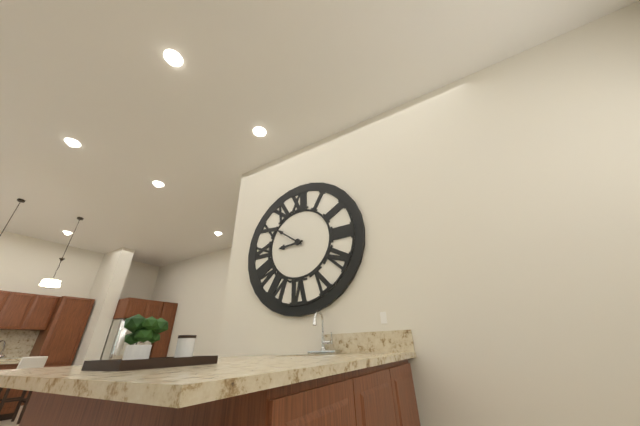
h=8 m=51
